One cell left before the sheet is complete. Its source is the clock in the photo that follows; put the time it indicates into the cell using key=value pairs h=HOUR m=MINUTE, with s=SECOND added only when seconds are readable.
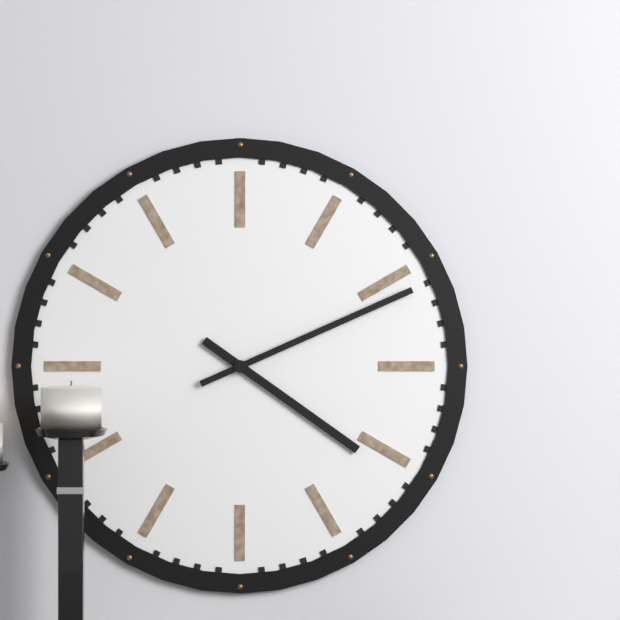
h=4 m=11
